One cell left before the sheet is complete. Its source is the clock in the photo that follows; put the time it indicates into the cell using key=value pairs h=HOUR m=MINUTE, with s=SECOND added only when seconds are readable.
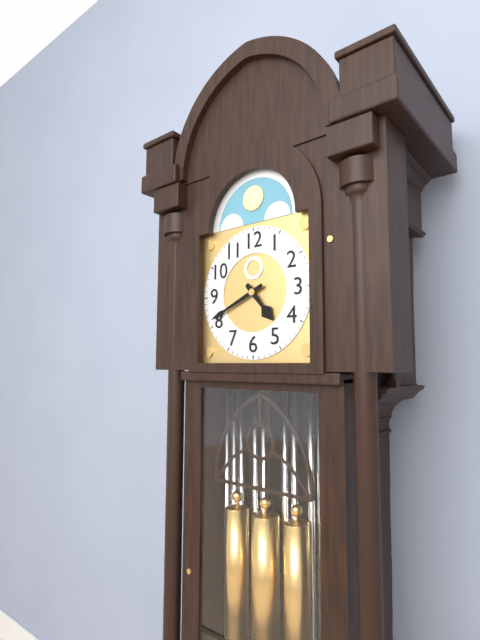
h=4 m=41
